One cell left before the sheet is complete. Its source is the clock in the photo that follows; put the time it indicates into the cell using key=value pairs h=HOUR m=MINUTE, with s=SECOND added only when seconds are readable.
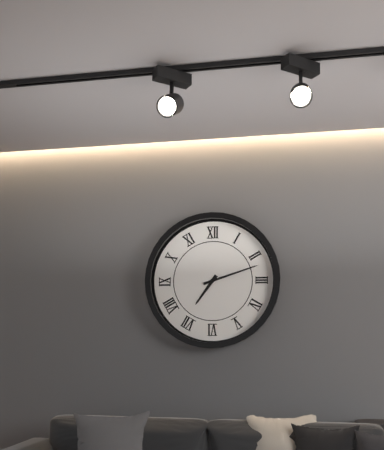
h=7 m=12
